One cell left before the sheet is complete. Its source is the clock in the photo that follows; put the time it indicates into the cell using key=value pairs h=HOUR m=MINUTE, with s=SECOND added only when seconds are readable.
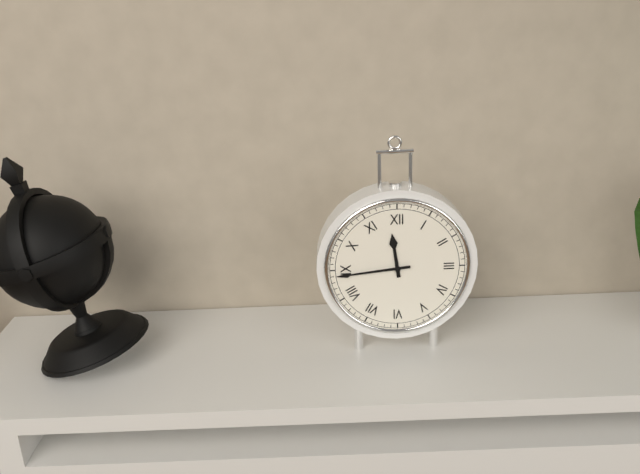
h=11 m=44
